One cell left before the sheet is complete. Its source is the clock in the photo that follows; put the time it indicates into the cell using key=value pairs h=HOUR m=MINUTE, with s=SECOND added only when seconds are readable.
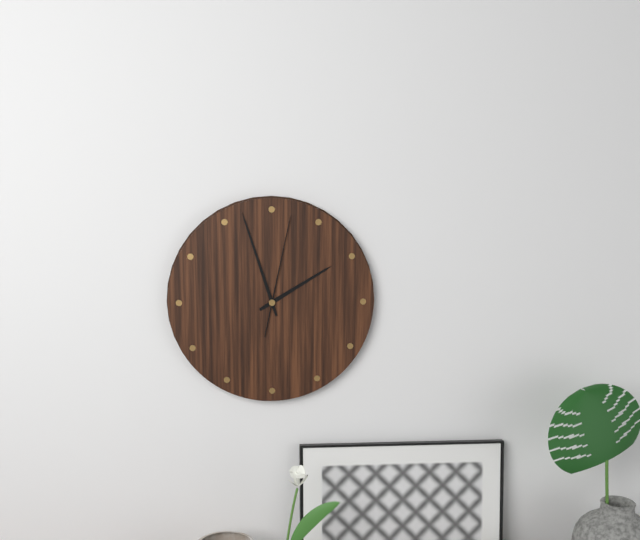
h=1 m=57 s=2
